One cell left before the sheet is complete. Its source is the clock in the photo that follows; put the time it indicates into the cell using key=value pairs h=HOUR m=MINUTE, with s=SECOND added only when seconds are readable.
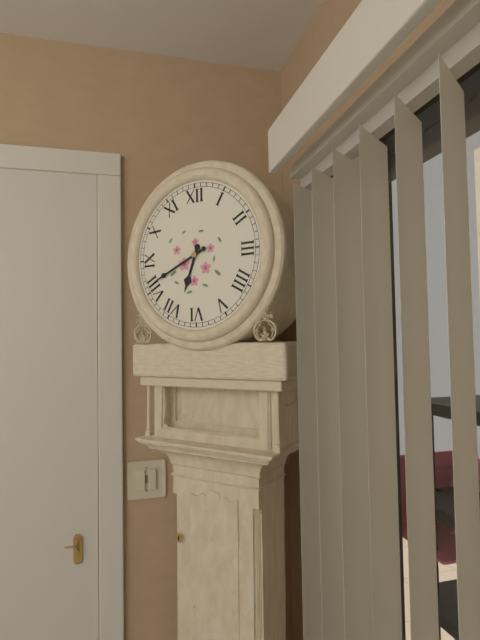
h=6 m=41
